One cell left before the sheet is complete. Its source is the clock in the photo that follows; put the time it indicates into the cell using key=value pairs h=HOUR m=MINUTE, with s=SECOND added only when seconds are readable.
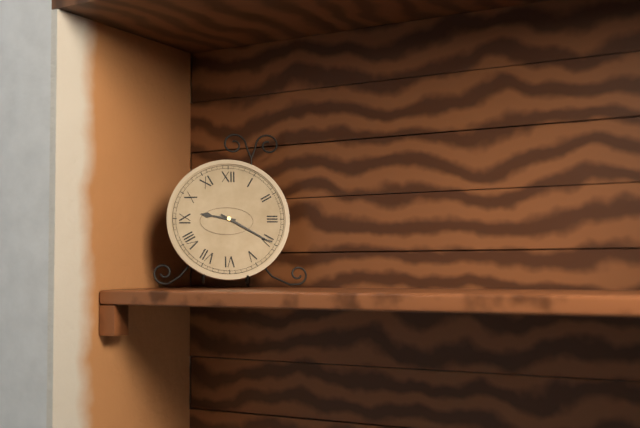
h=9 m=20
